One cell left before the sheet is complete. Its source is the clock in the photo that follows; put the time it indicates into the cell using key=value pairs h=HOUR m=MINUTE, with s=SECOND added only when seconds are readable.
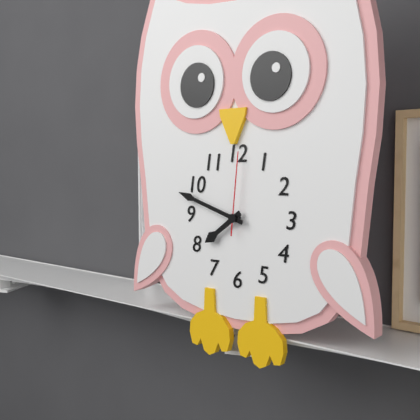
h=7 m=48 s=1
